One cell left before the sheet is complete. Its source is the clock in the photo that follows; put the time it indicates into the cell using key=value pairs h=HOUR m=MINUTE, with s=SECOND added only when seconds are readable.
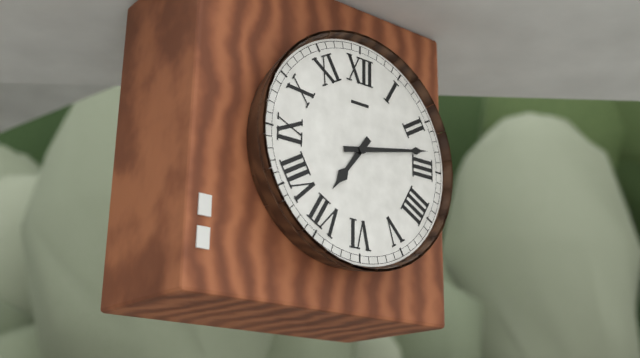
h=7 m=13
